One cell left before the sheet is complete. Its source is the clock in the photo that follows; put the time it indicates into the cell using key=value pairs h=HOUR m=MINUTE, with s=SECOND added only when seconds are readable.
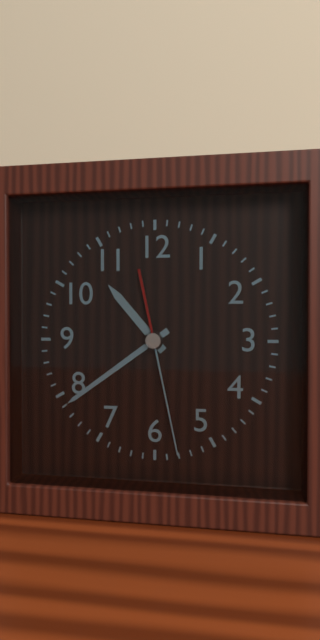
h=10 m=39 s=28
